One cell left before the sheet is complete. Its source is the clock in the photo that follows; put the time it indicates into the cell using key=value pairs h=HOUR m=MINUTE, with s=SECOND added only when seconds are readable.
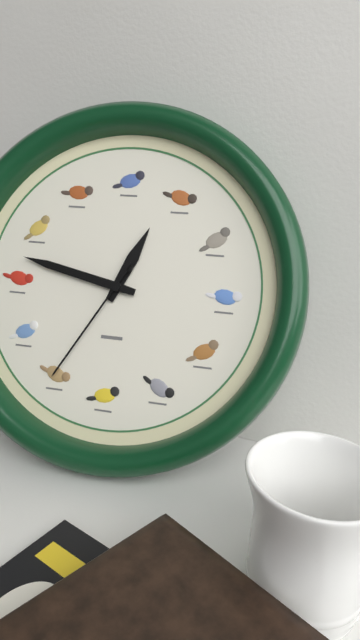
h=12 m=47 s=35
